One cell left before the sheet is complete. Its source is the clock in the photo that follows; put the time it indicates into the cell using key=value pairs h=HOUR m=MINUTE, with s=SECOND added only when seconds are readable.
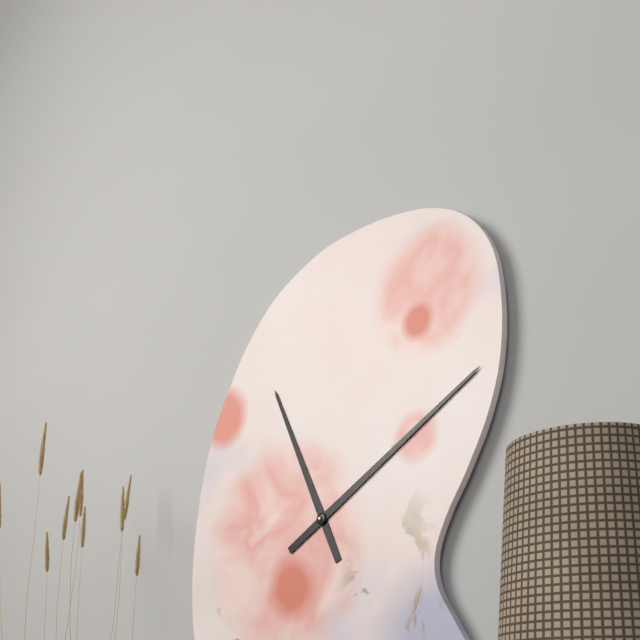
h=11 m=10
